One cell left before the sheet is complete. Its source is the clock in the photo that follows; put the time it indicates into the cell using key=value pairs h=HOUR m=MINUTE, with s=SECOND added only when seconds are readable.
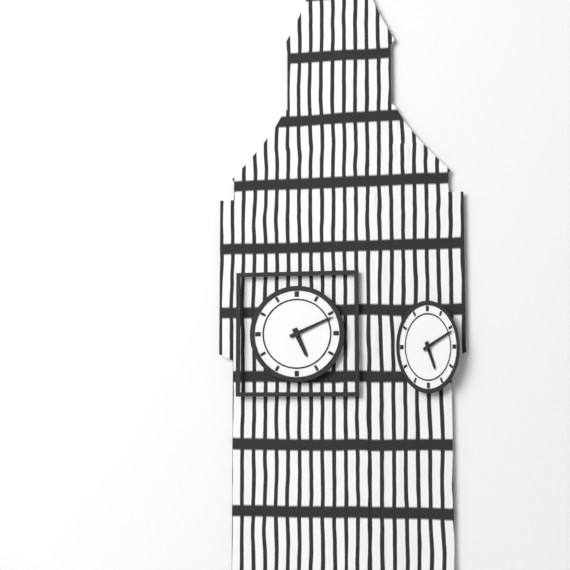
h=5 m=11
